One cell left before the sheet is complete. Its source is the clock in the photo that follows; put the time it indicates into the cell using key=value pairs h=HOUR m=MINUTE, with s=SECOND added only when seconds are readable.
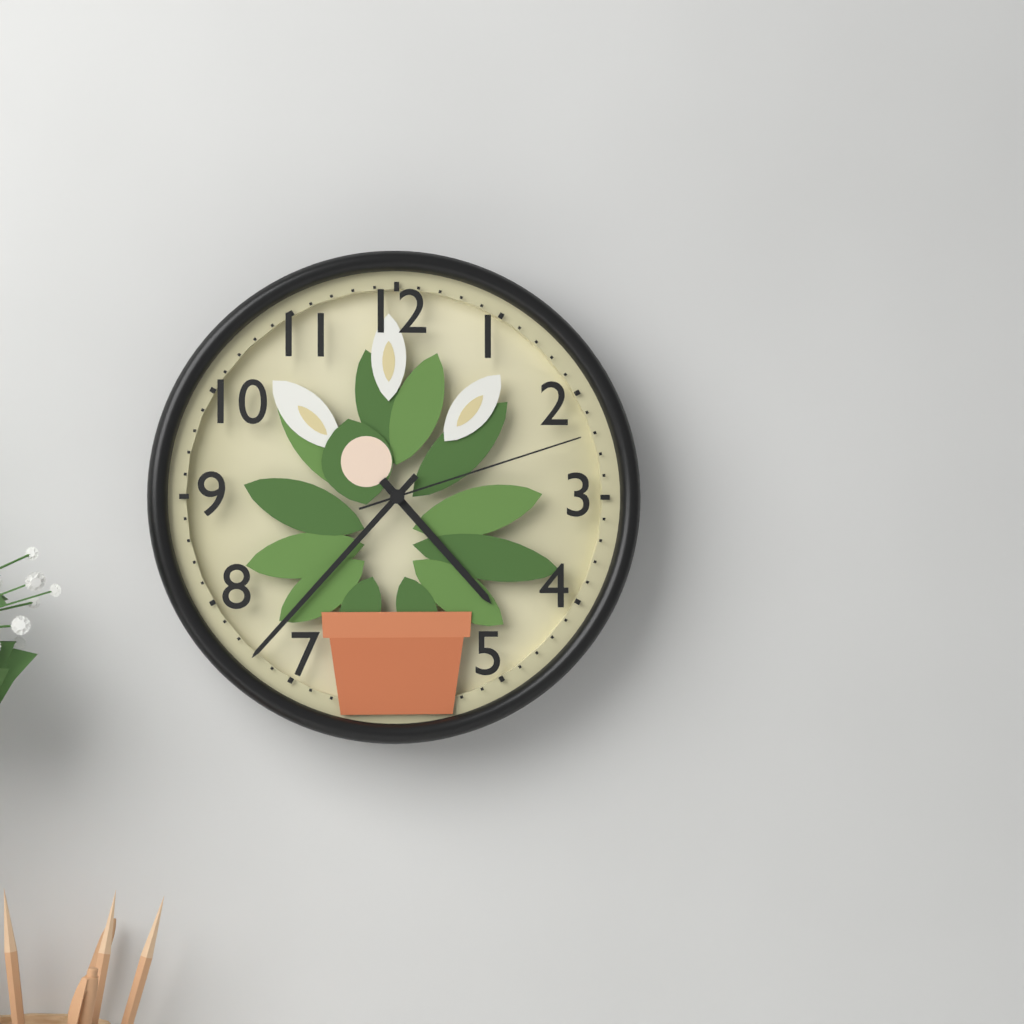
h=4 m=37 s=12
